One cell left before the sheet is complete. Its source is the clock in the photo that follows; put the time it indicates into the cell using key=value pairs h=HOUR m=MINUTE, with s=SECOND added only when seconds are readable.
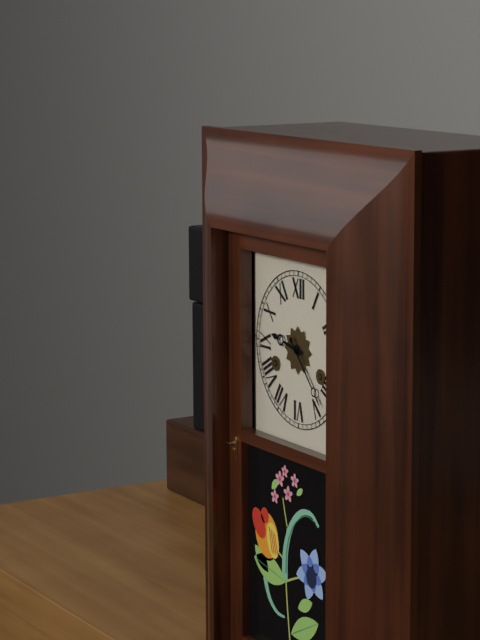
h=9 m=23
